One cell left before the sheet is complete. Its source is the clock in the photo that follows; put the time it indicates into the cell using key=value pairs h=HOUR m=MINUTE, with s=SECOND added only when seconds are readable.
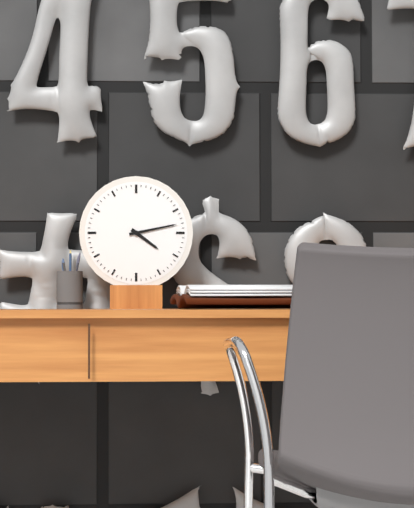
h=4 m=13
